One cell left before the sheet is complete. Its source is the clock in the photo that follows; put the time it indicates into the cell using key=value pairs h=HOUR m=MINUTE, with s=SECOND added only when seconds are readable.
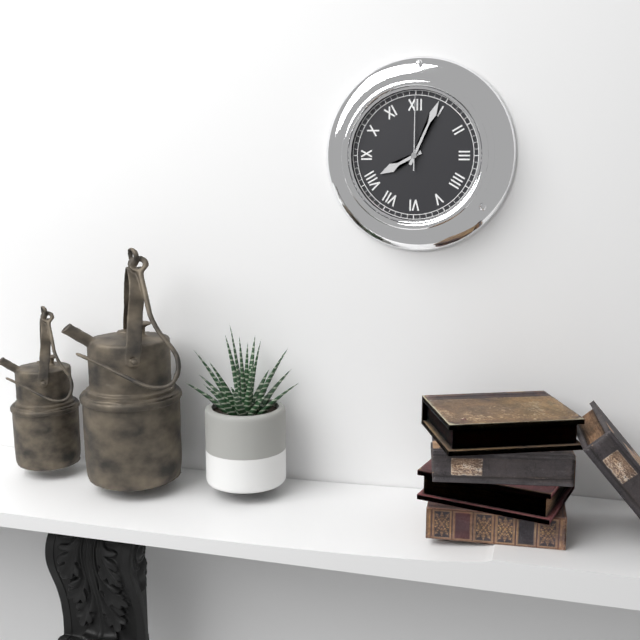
h=8 m=4 s=0
